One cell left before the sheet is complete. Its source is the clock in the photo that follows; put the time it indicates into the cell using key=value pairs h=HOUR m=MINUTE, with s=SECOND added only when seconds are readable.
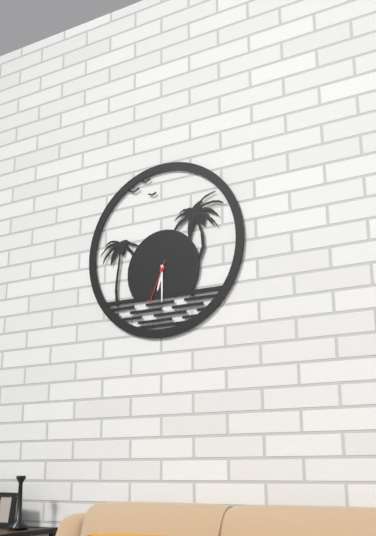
h=6 m=30
